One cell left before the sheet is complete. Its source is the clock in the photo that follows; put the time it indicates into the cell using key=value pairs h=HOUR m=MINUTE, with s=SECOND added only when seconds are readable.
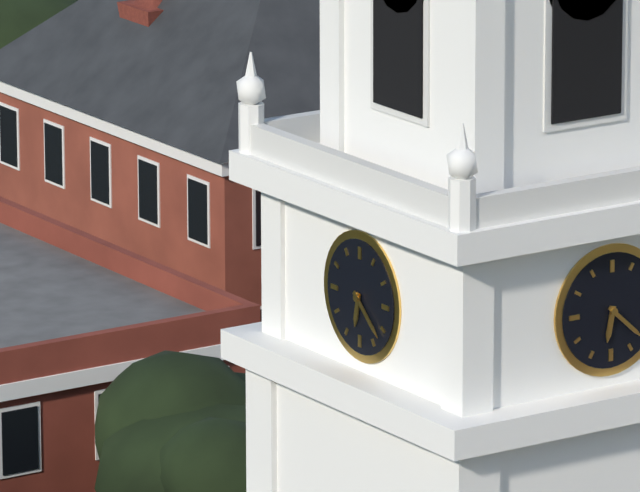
h=6 m=22
